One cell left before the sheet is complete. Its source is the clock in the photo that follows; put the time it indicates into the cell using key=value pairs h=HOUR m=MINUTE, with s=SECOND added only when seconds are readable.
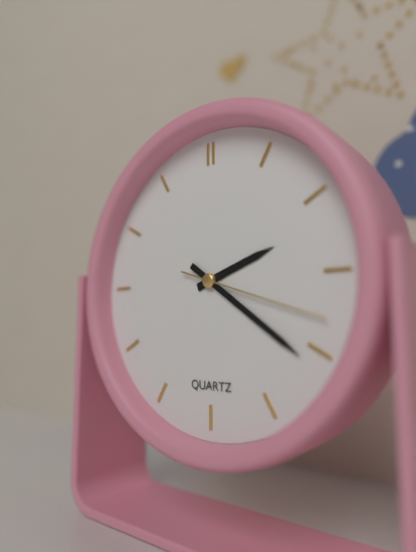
h=2 m=21 s=18
